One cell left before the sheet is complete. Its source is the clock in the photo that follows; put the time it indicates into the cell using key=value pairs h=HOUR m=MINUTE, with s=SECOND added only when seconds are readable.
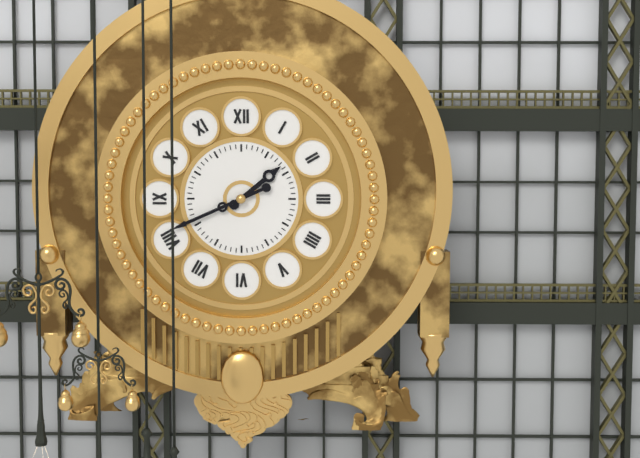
h=1 m=41
